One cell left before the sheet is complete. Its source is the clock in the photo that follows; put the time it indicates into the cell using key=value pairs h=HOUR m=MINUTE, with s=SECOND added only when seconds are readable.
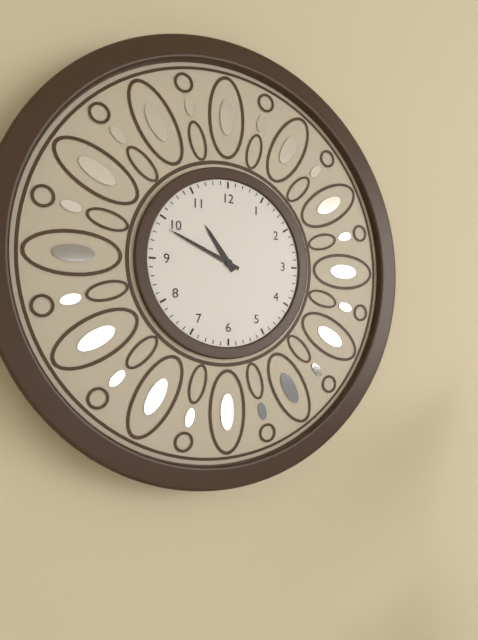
h=10 m=49
